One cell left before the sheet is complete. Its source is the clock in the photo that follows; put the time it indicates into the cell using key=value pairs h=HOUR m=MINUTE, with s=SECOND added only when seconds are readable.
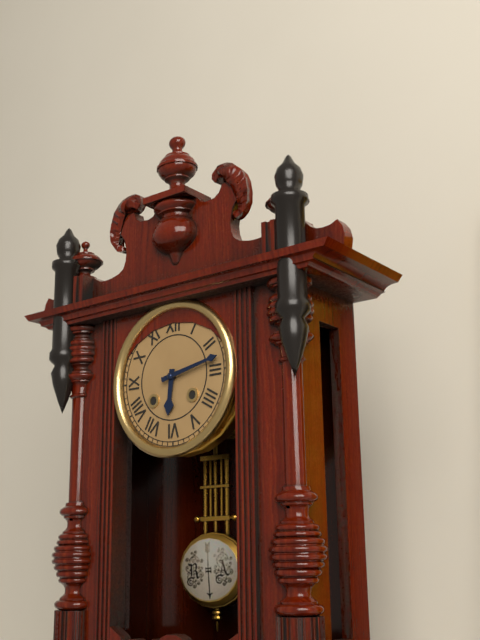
h=6 m=13
